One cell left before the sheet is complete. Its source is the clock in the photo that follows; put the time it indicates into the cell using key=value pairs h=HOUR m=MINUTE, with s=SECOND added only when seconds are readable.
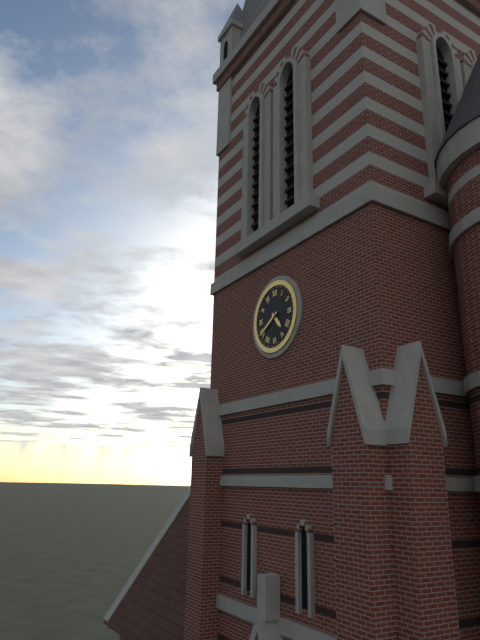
h=4 m=40
